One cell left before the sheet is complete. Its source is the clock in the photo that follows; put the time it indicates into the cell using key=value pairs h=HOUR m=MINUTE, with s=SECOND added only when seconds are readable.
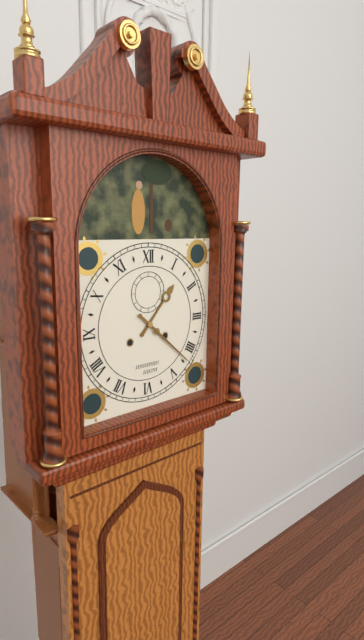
h=1 m=22
